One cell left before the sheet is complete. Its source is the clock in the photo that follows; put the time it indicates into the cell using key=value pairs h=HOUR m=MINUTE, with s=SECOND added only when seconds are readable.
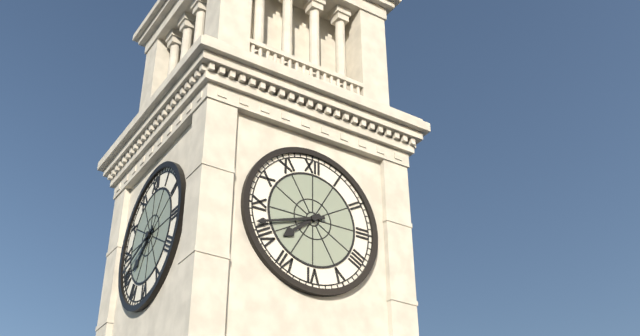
h=7 m=42
